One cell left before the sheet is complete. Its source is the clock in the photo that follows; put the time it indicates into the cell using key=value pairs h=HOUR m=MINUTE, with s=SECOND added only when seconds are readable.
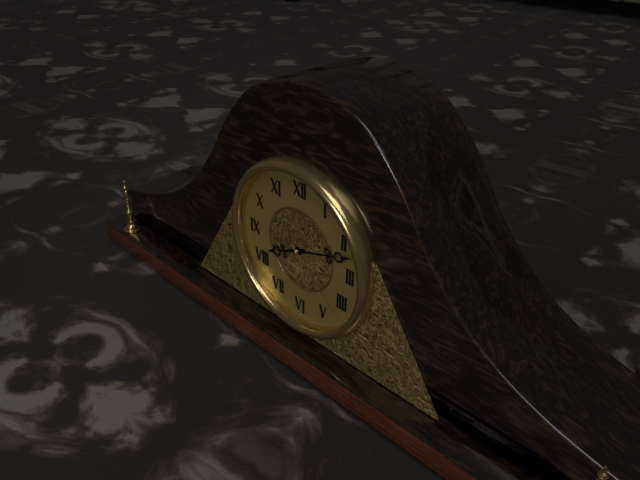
h=8 m=12 s=22
